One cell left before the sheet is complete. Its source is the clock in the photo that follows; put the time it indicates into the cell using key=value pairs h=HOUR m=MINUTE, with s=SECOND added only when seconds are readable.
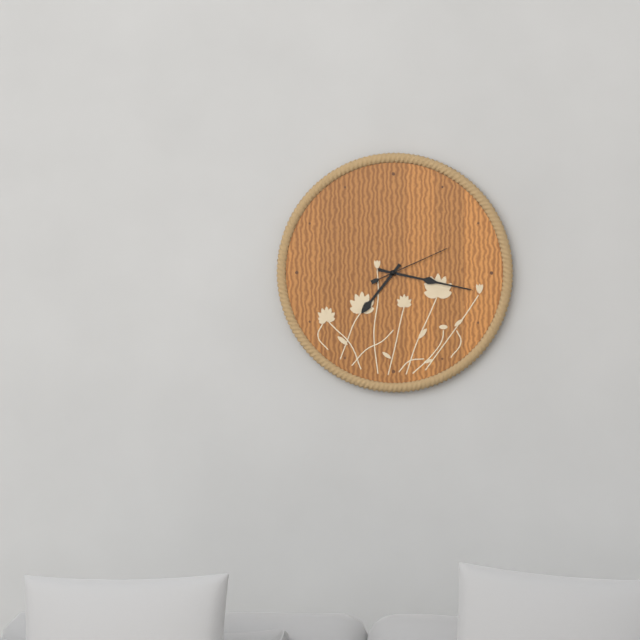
h=7 m=17 s=11
